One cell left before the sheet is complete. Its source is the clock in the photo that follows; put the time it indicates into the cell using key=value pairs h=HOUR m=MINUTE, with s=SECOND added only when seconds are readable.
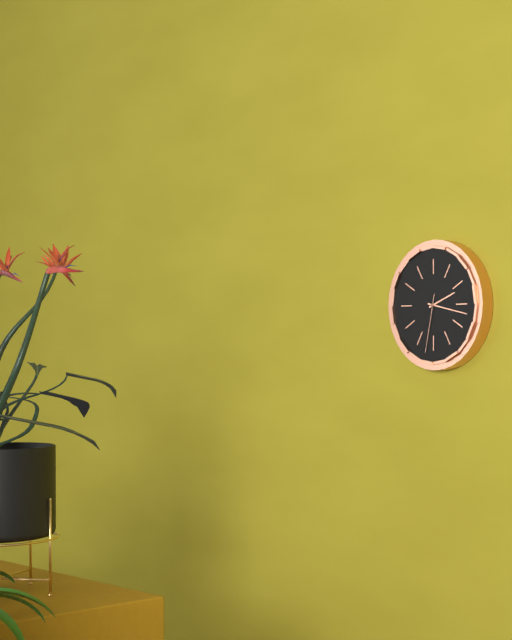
h=2 m=17 s=32
